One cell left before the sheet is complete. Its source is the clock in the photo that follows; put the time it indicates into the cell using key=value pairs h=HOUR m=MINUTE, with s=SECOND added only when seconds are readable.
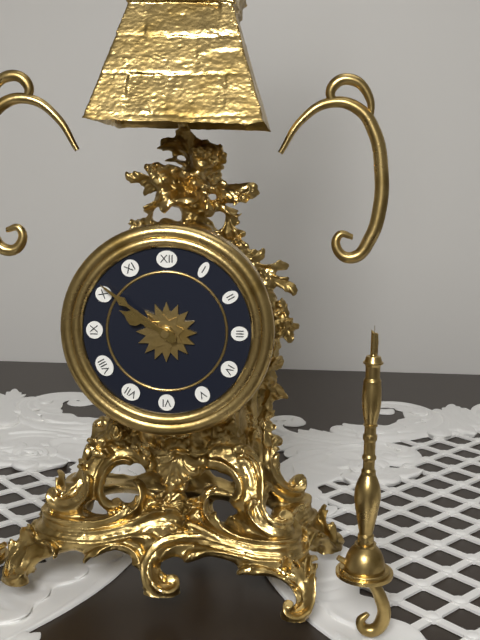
h=9 m=51
